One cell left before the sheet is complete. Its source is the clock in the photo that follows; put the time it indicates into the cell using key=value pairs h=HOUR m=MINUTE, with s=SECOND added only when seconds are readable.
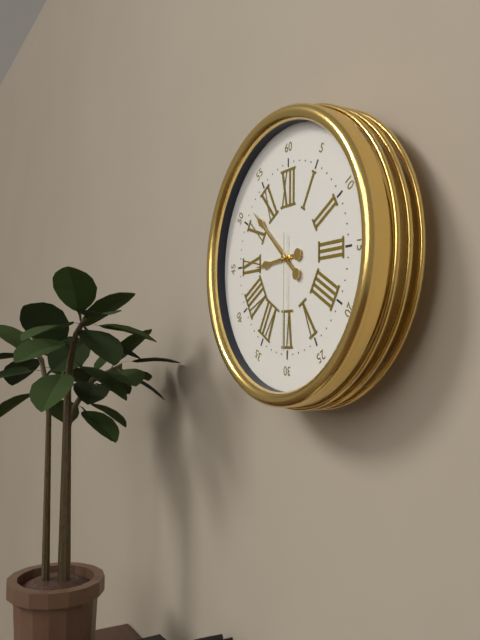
h=8 m=52 s=30
